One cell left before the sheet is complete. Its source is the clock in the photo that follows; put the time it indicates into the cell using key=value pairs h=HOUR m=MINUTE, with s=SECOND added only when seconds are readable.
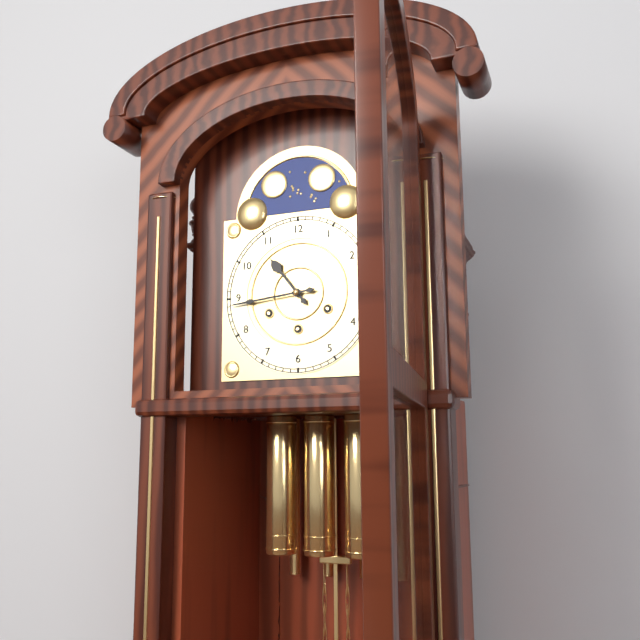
h=10 m=44
